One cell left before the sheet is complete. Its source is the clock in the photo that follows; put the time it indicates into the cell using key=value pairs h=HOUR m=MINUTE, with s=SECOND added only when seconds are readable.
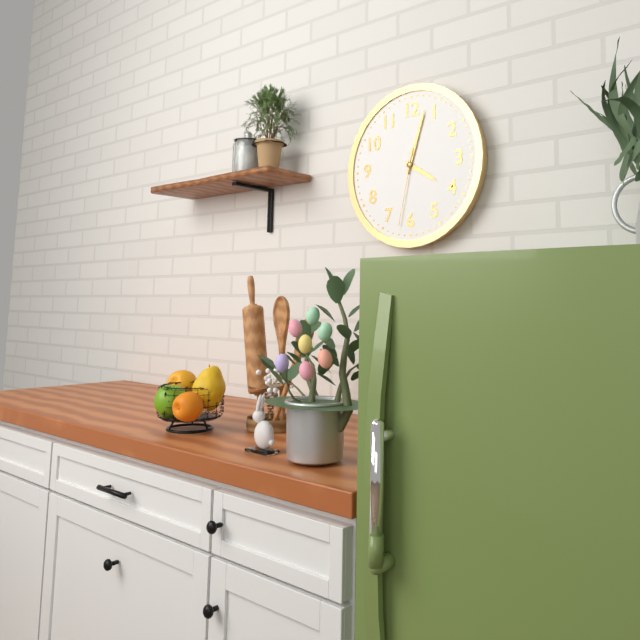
h=4 m=3 s=32
